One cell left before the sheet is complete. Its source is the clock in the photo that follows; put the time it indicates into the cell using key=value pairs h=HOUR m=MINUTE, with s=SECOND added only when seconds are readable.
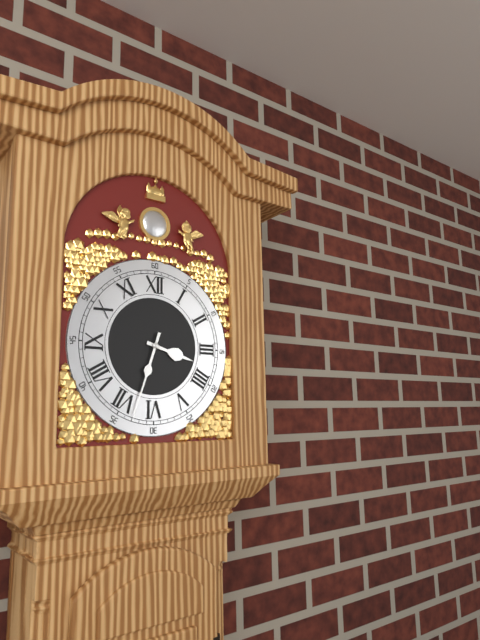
h=3 m=33
